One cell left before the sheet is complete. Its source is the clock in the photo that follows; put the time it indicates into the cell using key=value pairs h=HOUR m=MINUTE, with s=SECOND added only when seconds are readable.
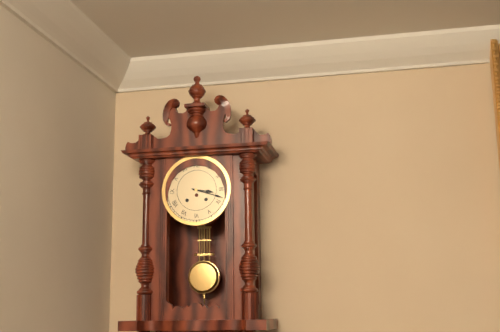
h=3 m=18
